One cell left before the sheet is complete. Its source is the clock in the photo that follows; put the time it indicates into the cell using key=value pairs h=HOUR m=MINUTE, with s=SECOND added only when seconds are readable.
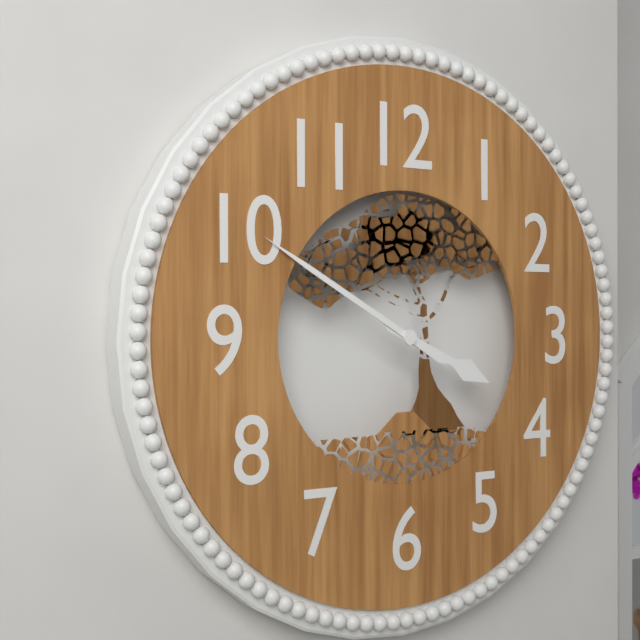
h=3 m=50
